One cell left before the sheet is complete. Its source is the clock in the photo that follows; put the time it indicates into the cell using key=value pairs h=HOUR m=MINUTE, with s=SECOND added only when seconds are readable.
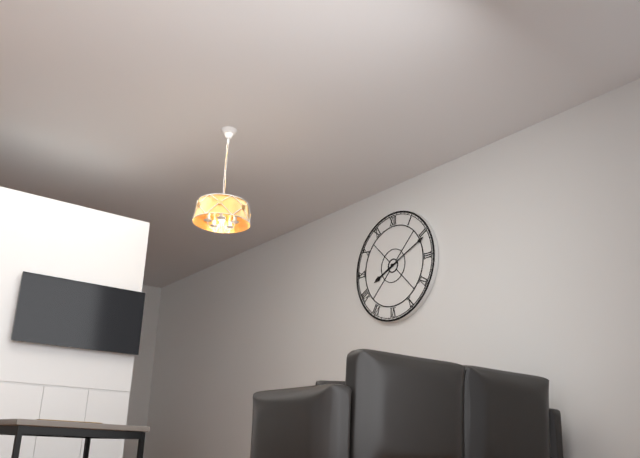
h=8 m=11
